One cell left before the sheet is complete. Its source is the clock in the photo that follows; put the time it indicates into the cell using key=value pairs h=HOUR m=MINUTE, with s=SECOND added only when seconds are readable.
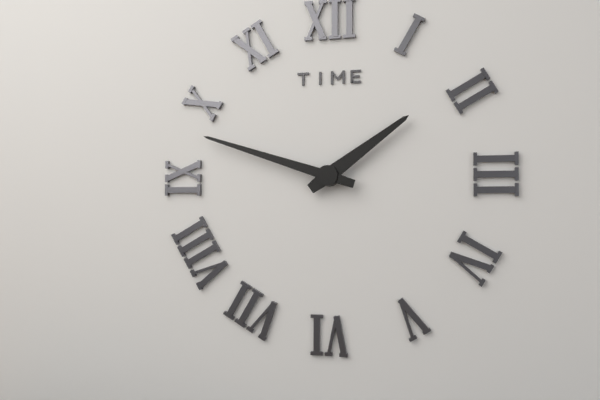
h=1 m=48
